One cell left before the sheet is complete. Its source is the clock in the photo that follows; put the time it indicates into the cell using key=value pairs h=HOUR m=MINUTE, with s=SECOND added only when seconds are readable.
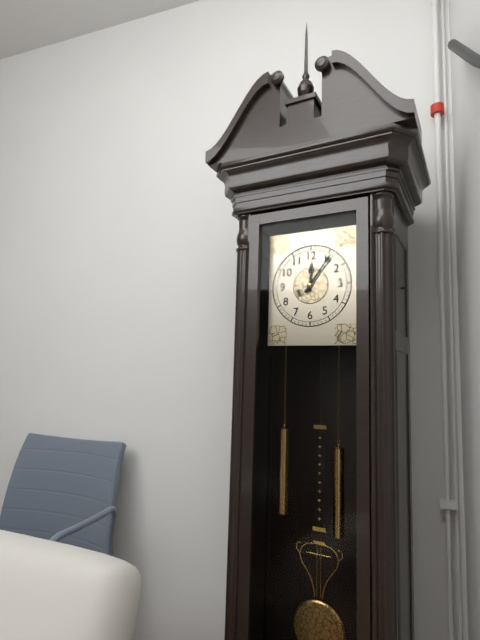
h=12 m=6
